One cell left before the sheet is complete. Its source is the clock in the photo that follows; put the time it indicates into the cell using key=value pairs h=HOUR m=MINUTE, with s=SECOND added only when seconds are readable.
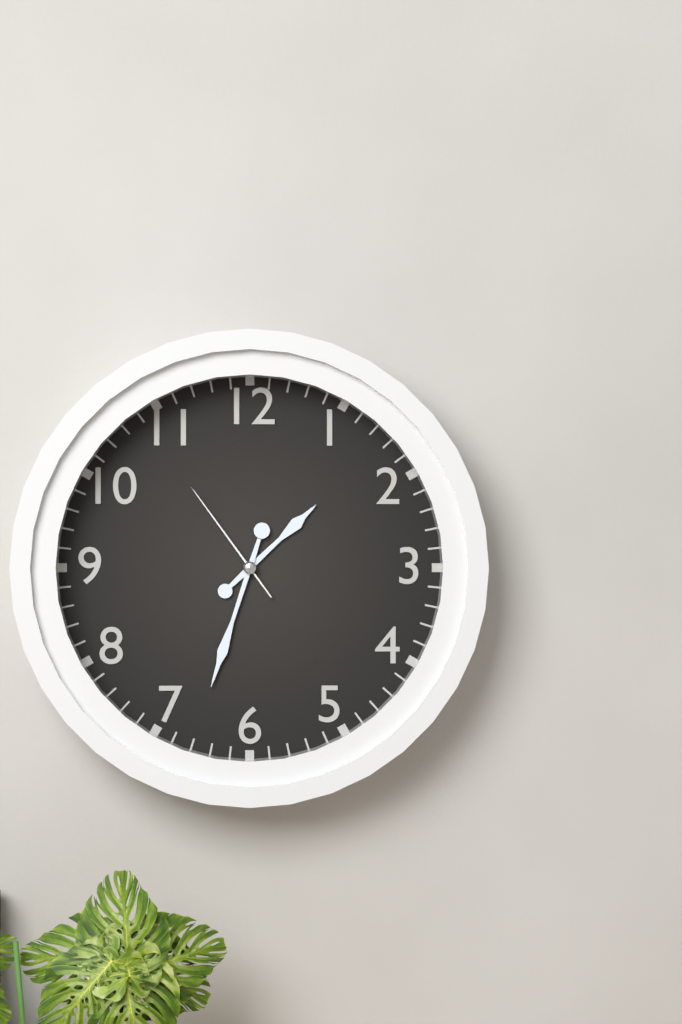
h=1 m=33 s=54
